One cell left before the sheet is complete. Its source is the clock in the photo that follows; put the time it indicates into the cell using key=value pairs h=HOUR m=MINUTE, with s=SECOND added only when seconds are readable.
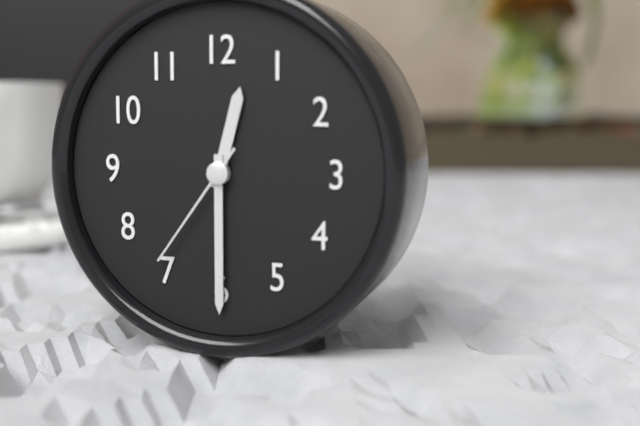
h=12 m=30 s=36
